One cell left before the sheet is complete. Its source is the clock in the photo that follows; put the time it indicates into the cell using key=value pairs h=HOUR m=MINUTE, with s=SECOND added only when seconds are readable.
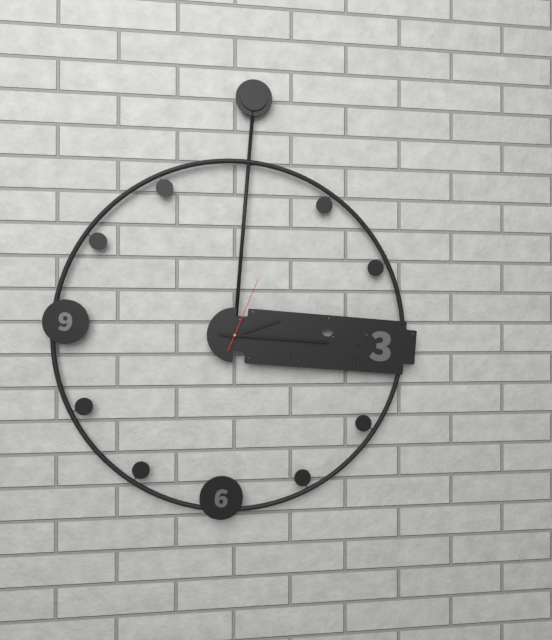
h=2 m=15 s=3
